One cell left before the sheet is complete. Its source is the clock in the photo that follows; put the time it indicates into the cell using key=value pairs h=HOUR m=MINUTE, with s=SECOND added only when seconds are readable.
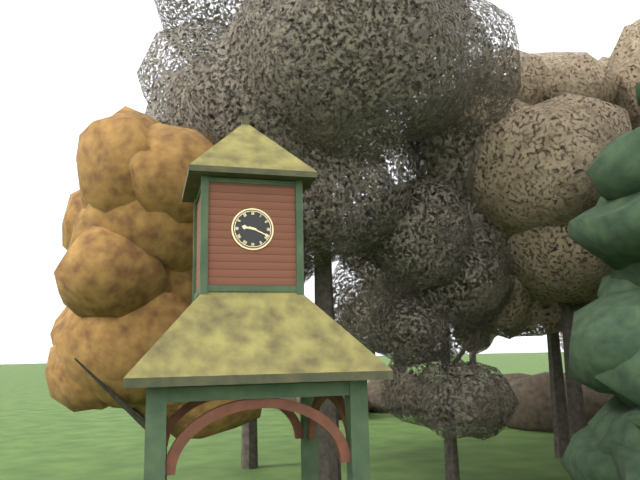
h=9 m=19
